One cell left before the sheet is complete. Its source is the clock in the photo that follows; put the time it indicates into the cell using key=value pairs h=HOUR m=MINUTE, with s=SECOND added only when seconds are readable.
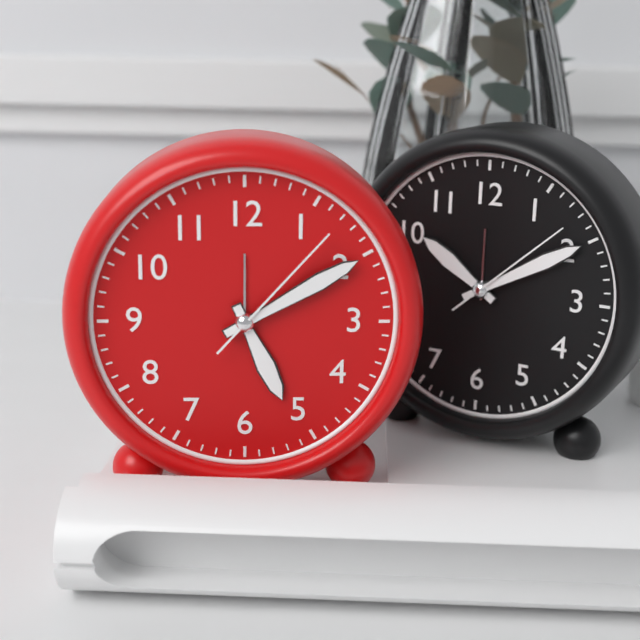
h=5 m=10 s=7
